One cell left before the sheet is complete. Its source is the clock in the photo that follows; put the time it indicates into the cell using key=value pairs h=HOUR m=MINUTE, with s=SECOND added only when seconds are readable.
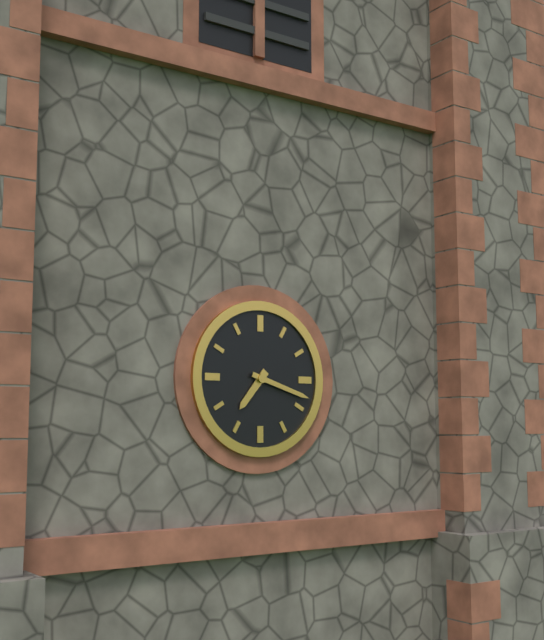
h=7 m=18
